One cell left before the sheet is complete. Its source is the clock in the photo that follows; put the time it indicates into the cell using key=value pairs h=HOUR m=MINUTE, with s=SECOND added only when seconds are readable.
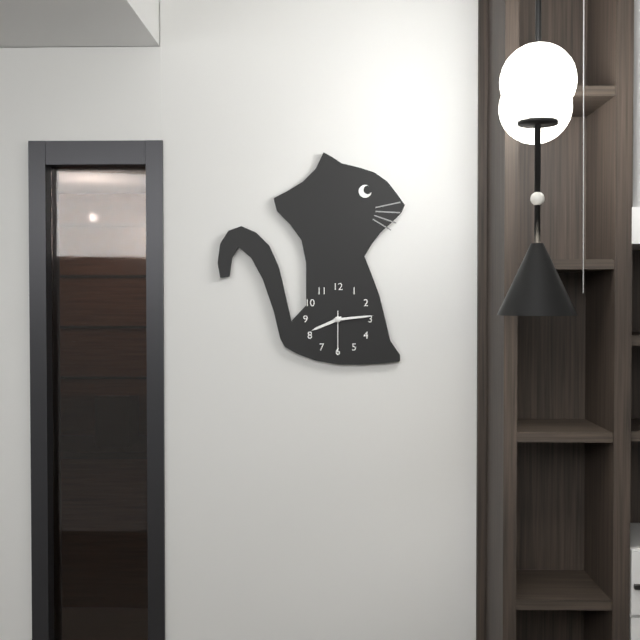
h=8 m=14
